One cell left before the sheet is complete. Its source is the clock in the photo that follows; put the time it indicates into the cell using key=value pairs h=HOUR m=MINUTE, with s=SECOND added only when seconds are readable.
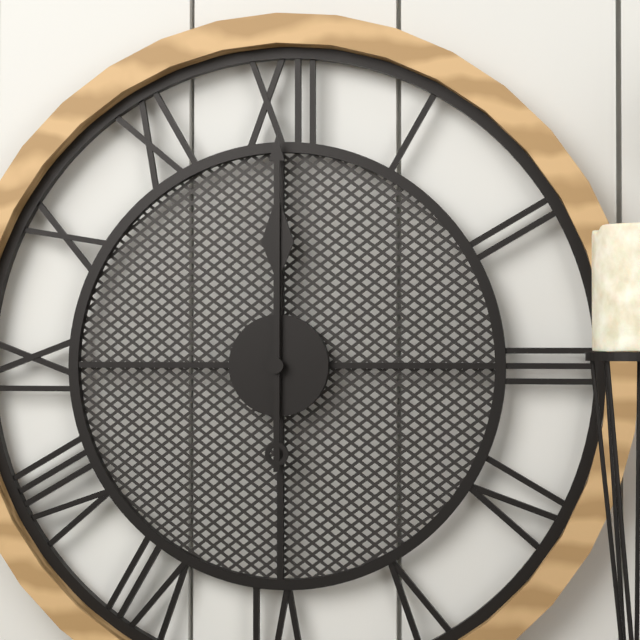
h=12 m=0
